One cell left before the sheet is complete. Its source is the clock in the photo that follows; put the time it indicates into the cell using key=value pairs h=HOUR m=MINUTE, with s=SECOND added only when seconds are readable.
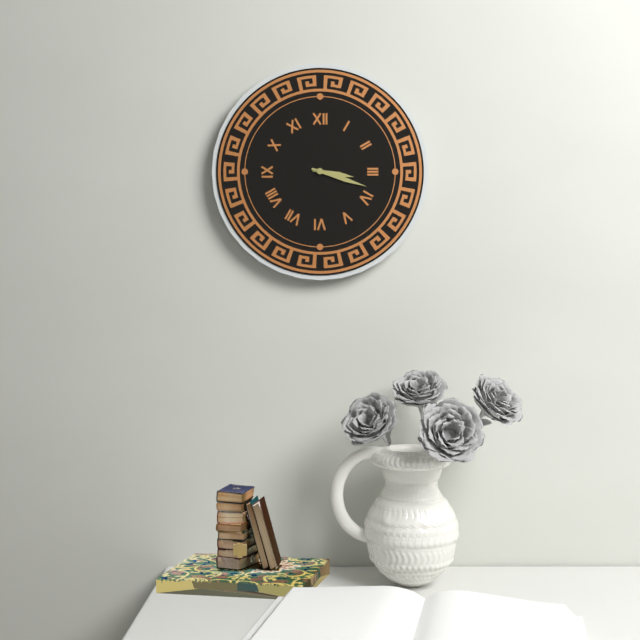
h=3 m=18
